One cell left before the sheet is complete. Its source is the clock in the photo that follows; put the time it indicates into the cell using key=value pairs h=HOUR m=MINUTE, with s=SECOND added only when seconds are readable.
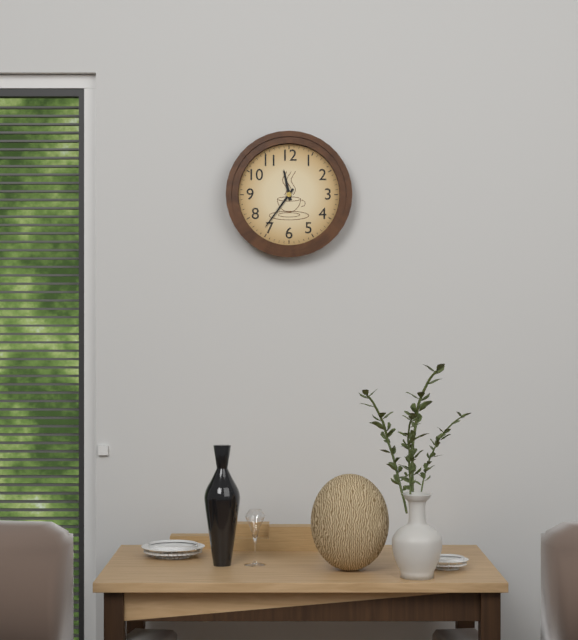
h=11 m=36
